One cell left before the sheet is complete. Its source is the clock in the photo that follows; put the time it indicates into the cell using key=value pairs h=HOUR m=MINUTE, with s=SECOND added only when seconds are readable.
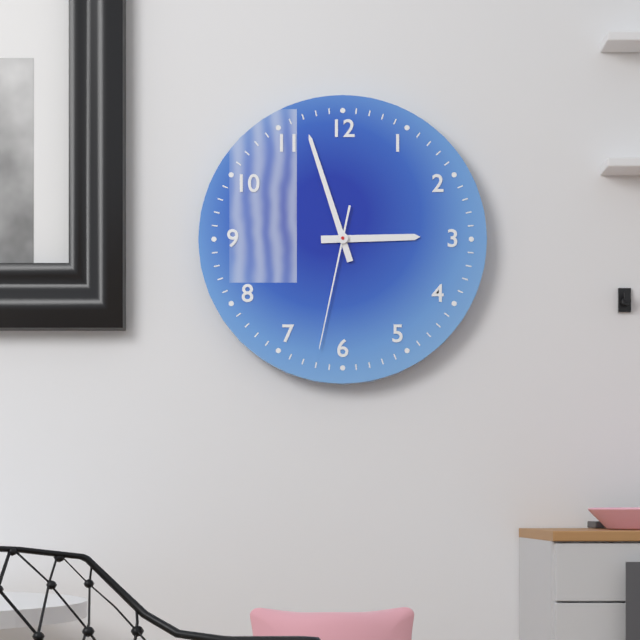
h=2 m=57 s=32
